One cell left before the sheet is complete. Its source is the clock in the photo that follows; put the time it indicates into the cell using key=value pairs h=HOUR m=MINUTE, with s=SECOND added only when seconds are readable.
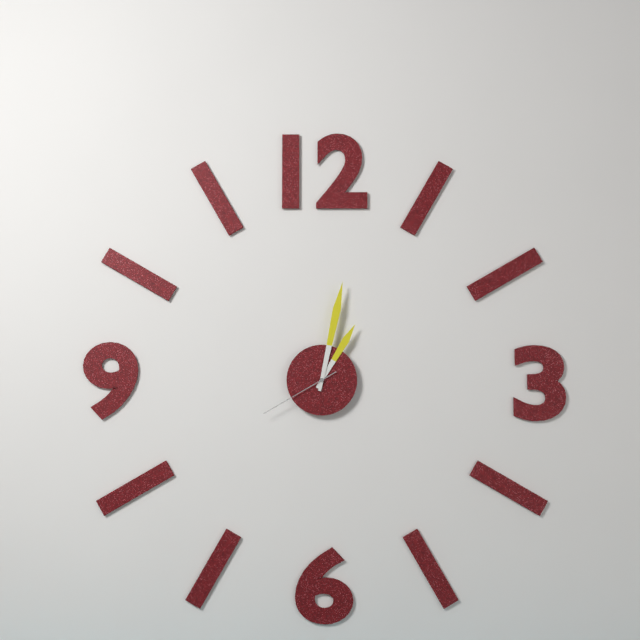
h=1 m=2 s=40
